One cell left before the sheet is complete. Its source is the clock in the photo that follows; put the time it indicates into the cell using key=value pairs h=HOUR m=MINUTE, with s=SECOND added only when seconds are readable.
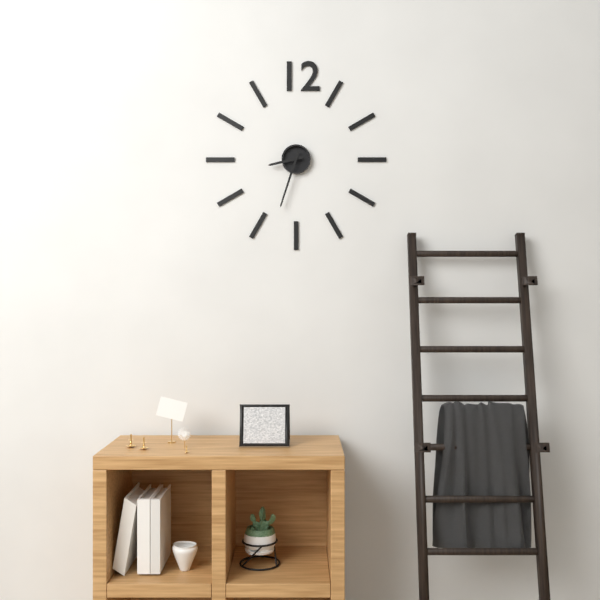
h=8 m=33
